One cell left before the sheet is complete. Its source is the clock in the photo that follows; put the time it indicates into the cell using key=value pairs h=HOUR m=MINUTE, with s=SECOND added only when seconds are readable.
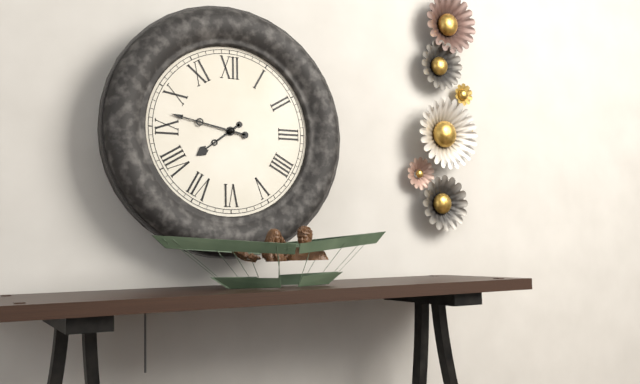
h=7 m=47
